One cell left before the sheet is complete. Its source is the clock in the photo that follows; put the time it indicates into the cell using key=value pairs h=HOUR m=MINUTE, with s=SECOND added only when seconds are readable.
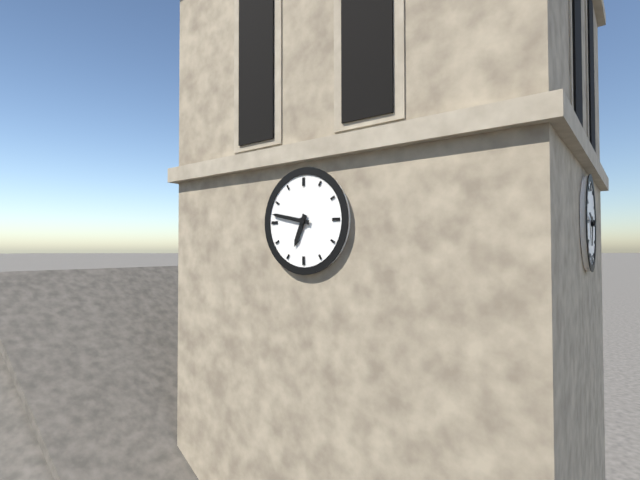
h=6 m=47
